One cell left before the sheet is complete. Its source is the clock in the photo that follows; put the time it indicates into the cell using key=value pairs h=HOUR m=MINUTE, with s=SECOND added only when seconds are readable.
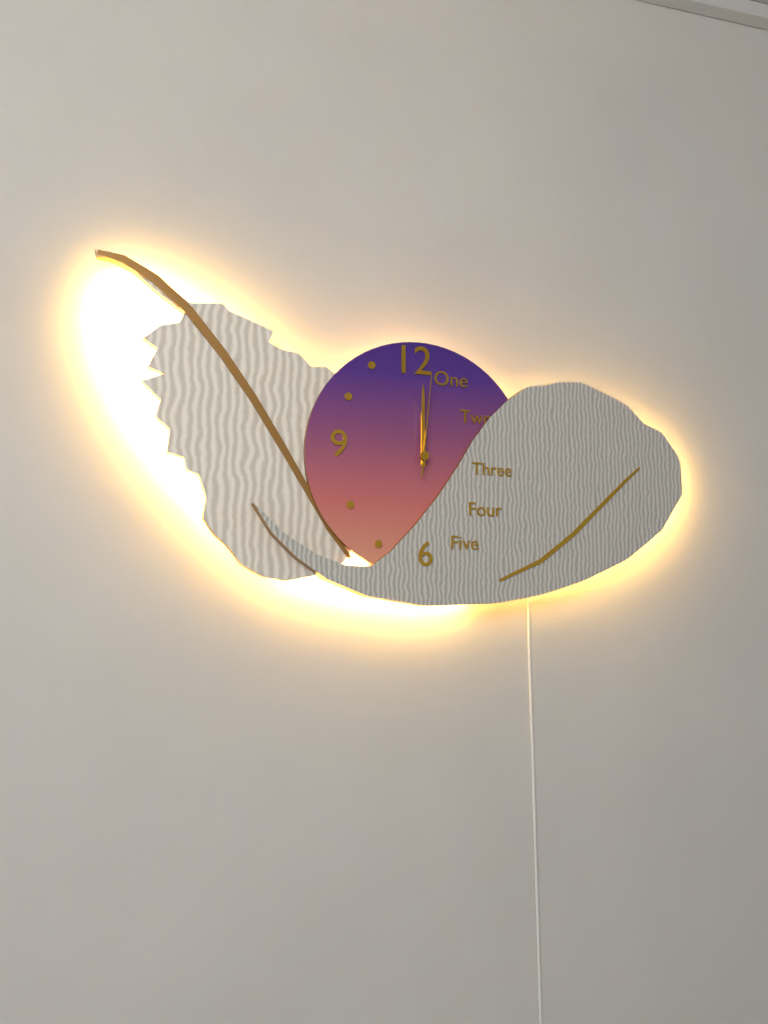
h=12 m=0 s=1
